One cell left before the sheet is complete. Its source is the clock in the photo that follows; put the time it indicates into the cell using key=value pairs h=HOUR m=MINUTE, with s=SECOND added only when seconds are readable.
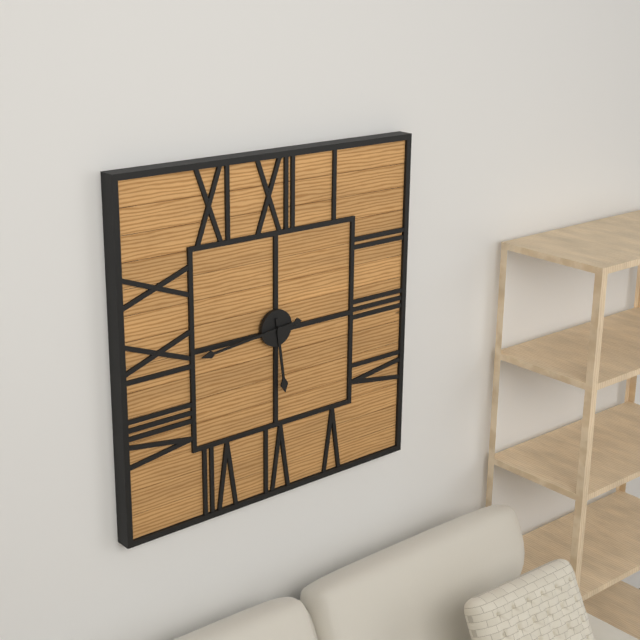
h=5 m=44
